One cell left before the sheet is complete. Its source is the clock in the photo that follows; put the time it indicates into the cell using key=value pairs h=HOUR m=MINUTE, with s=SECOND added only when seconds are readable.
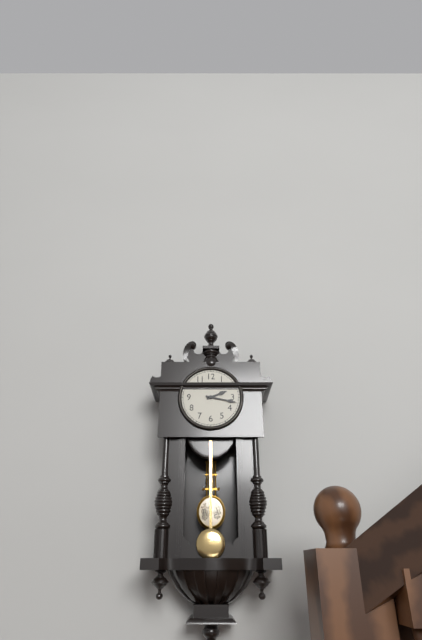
h=2 m=17
